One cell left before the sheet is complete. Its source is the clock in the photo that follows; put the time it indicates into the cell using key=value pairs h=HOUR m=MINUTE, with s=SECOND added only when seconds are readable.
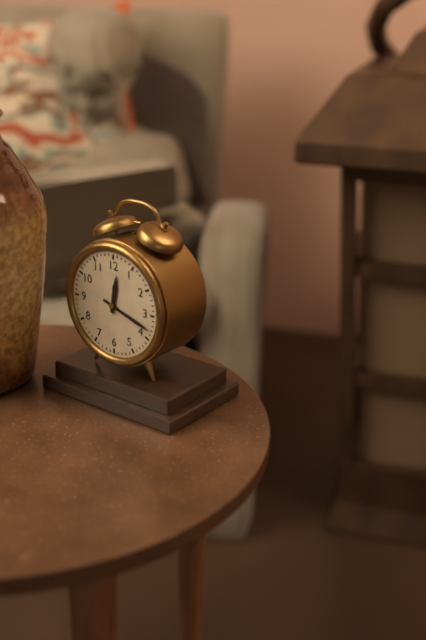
h=12 m=18
